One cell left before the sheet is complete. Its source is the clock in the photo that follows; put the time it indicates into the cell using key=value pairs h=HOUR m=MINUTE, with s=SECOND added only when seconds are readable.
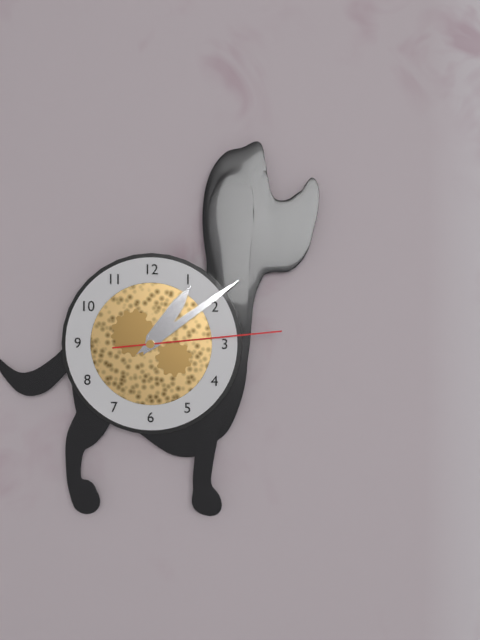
h=1 m=9 s=14
